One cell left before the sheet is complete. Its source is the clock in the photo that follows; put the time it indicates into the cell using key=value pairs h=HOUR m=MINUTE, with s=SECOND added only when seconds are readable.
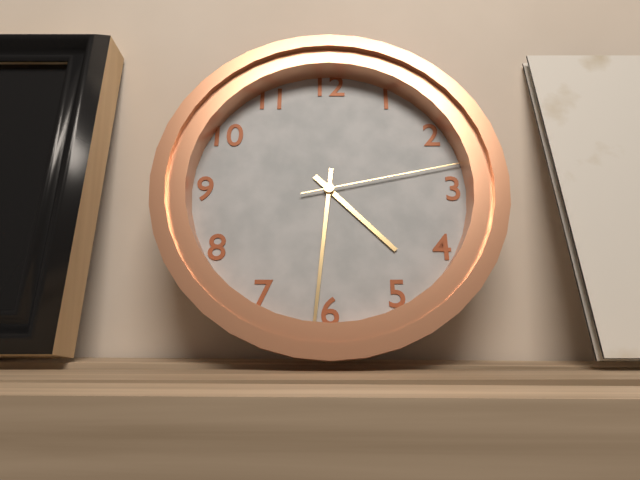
h=4 m=31 s=13
